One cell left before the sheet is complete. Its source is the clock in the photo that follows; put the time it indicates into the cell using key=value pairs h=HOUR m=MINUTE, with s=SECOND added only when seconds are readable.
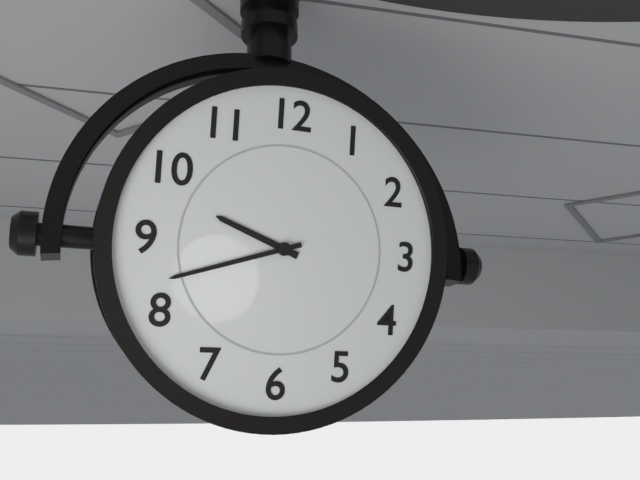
h=9 m=42
